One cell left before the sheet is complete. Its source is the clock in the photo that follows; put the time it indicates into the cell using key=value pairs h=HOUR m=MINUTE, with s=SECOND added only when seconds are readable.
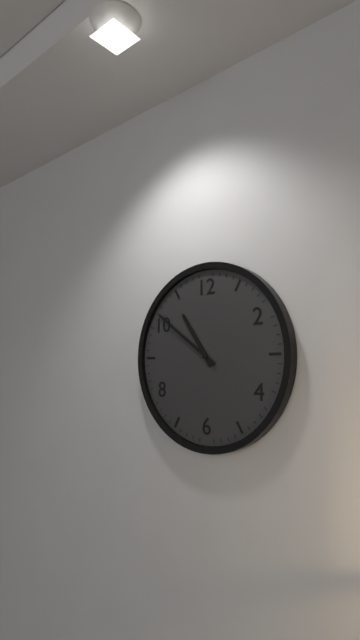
h=10 m=51
